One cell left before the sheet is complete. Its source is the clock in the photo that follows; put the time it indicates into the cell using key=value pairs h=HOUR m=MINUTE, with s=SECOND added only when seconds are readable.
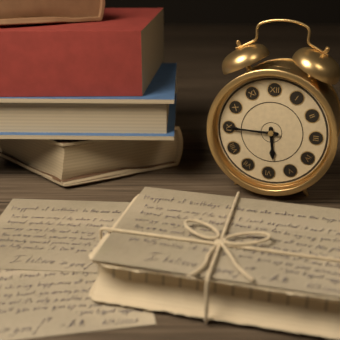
h=5 m=45
